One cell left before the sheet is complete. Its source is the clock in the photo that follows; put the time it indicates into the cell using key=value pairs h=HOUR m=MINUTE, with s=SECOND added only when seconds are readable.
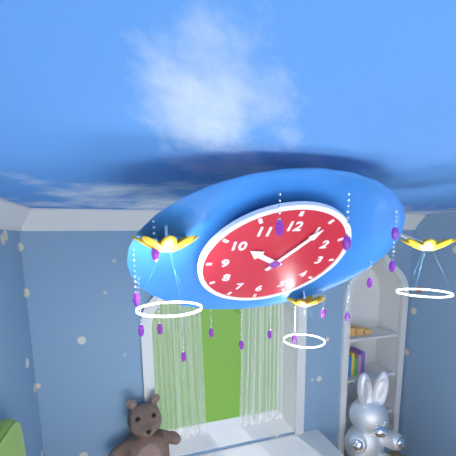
h=10 m=5
